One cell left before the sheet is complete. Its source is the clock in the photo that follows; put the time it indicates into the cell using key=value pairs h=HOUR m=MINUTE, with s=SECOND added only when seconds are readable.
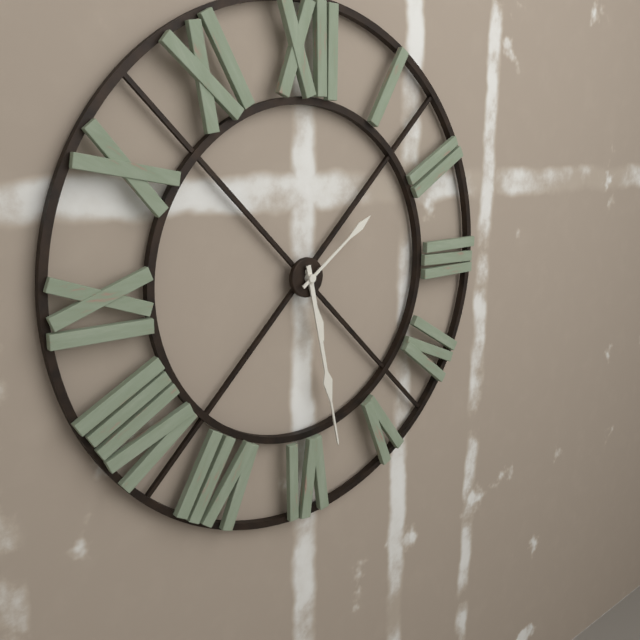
h=5 m=28 s=9
